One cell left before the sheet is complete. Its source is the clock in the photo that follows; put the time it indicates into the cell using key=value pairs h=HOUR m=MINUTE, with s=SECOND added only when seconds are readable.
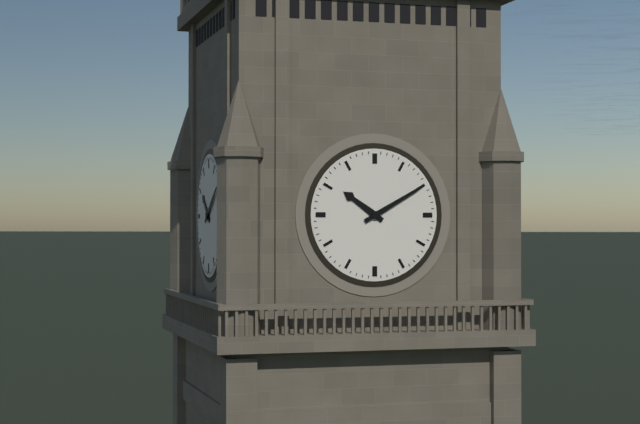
h=10 m=10
